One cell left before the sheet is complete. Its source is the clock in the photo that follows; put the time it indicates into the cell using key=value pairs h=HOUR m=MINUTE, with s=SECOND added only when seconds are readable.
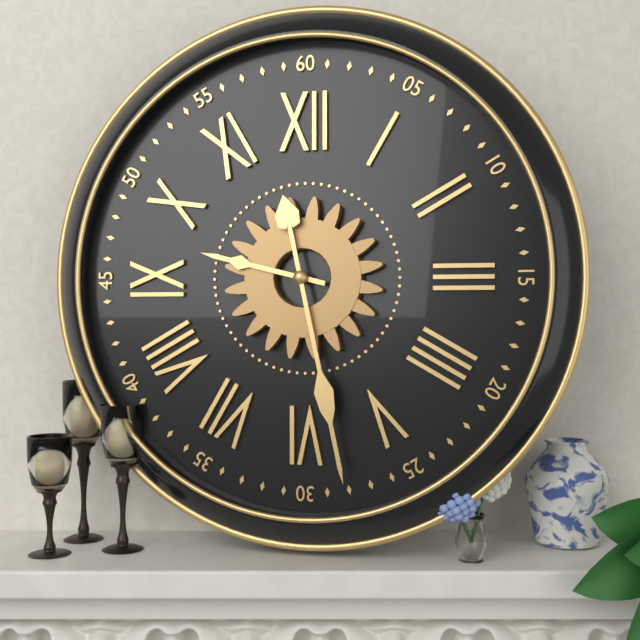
h=9 m=28
